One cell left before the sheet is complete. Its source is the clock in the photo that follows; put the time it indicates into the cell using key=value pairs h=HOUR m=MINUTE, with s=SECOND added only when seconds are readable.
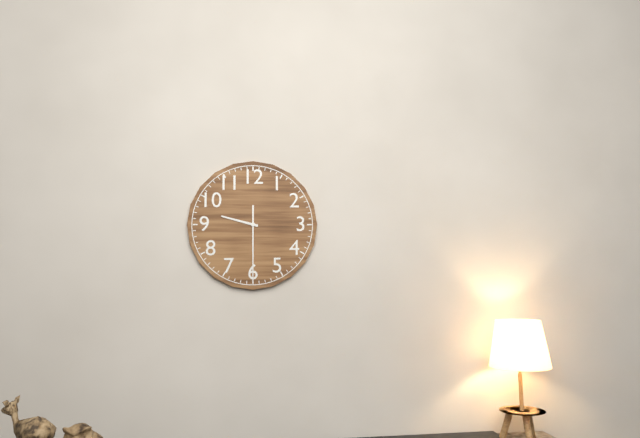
h=9 m=30
